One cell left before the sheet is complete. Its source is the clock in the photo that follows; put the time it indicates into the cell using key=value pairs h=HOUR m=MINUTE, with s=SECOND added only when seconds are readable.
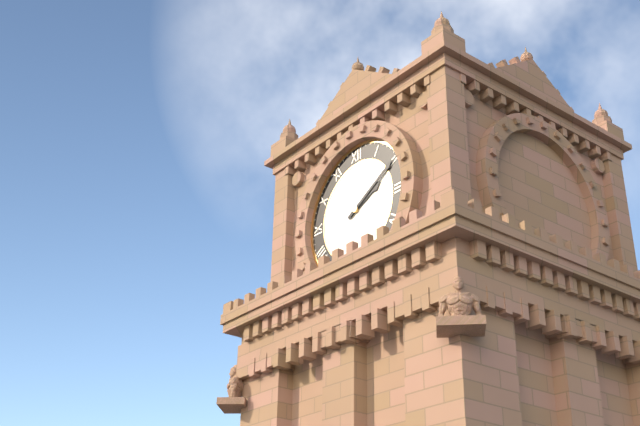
h=2 m=10
